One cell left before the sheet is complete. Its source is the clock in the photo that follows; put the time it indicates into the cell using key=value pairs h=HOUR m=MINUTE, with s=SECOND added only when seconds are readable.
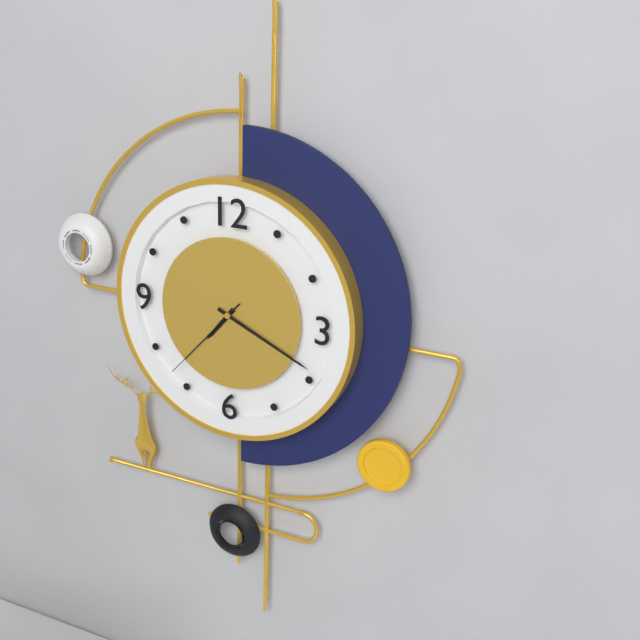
h=7 m=19 s=37
